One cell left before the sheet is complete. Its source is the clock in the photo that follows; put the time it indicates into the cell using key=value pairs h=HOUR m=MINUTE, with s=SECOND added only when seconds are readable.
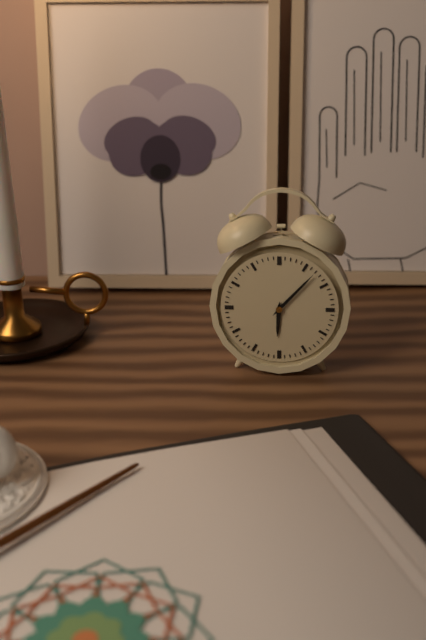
h=6 m=7
